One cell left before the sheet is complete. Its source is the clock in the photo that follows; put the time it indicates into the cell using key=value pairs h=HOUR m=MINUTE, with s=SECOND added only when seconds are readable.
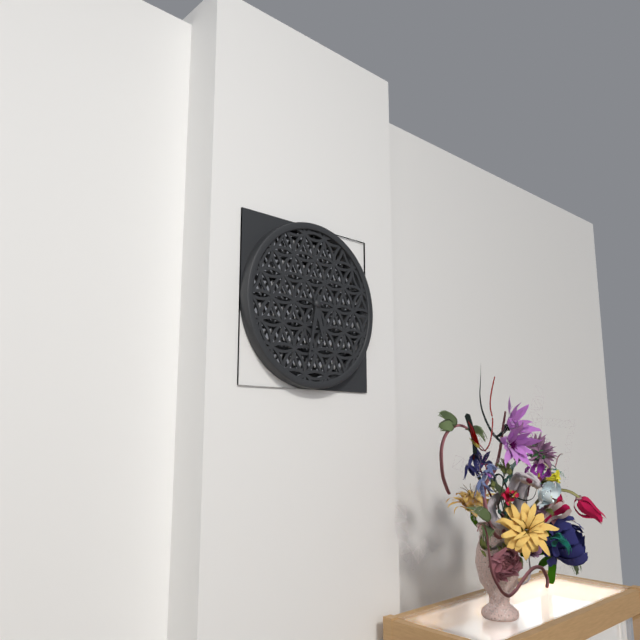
h=5 m=32
